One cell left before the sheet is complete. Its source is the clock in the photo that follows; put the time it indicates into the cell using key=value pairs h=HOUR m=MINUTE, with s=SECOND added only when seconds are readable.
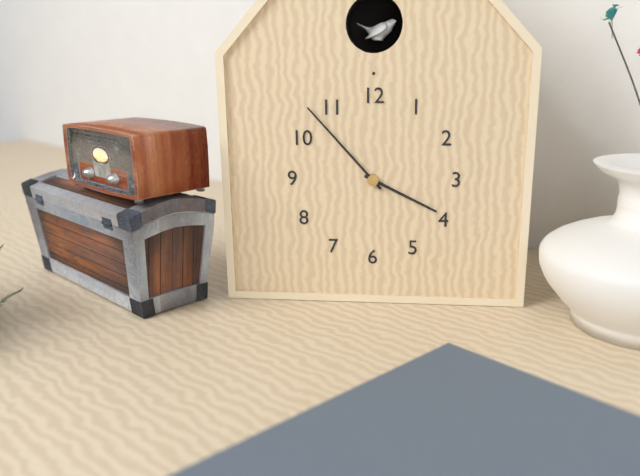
h=3 m=53
